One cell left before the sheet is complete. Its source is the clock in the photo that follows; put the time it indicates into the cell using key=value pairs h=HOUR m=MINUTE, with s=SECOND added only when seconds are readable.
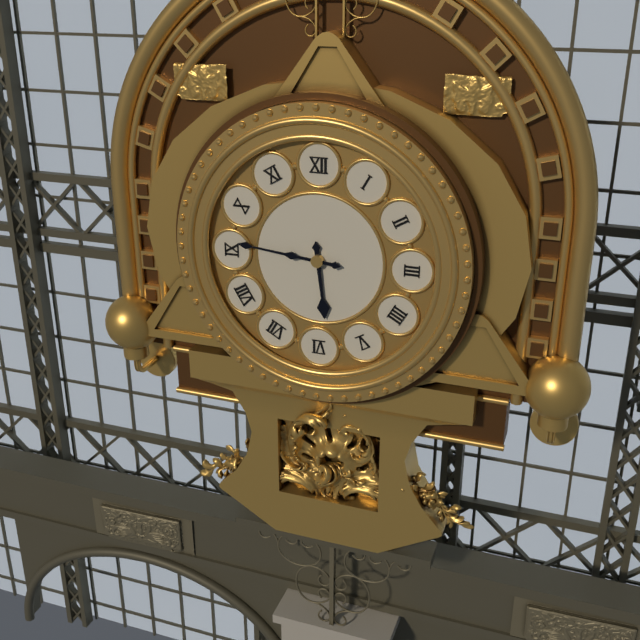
h=5 m=46
